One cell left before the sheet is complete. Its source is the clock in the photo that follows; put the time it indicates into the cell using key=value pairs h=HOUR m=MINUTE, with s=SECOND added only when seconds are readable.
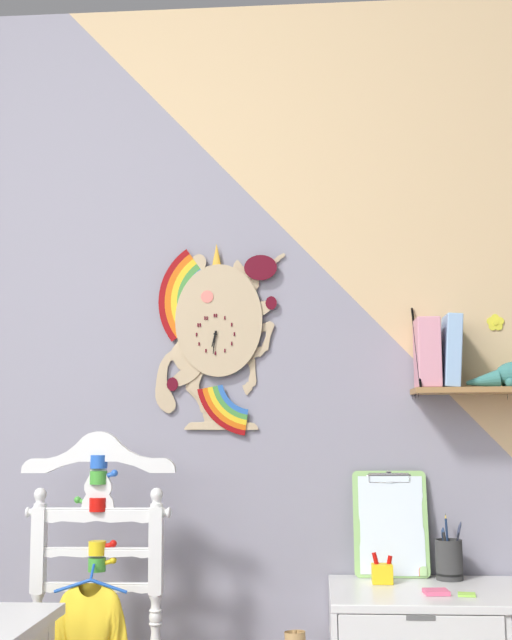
h=6 m=31
